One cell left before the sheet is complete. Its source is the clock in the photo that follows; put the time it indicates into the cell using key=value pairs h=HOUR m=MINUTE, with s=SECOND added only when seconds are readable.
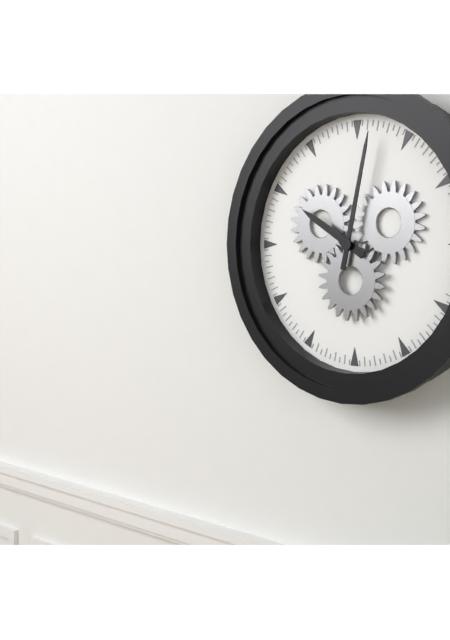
h=10 m=2
